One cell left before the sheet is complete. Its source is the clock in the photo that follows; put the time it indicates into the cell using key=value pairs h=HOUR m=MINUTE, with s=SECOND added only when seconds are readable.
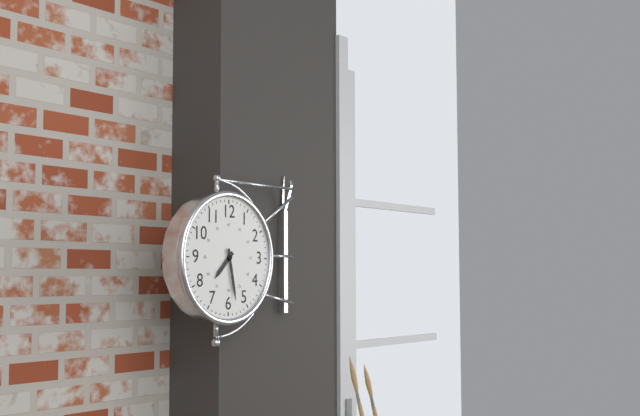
h=7 m=28
